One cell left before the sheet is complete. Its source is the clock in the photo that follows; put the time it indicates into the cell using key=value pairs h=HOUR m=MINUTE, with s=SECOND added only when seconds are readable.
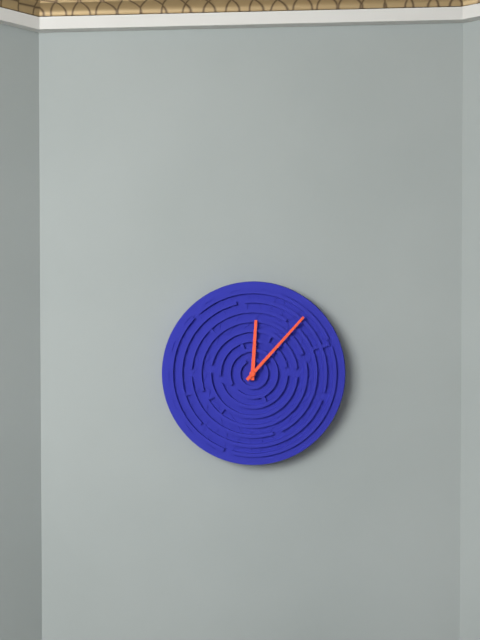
h=12 m=7
